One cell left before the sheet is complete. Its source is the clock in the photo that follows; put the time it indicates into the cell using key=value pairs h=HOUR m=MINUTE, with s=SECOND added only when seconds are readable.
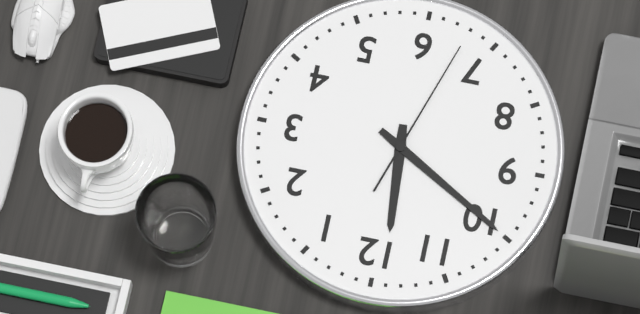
h=11 m=50 s=33
